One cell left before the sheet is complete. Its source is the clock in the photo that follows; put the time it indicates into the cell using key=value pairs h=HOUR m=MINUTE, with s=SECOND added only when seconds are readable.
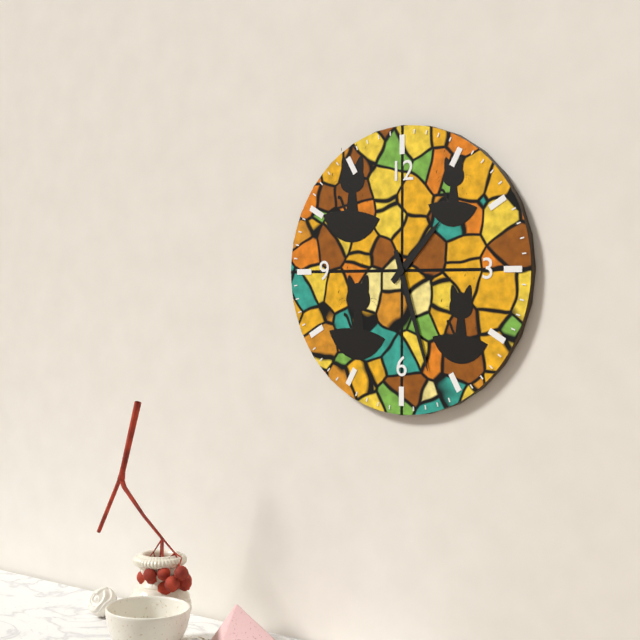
h=1 m=27
